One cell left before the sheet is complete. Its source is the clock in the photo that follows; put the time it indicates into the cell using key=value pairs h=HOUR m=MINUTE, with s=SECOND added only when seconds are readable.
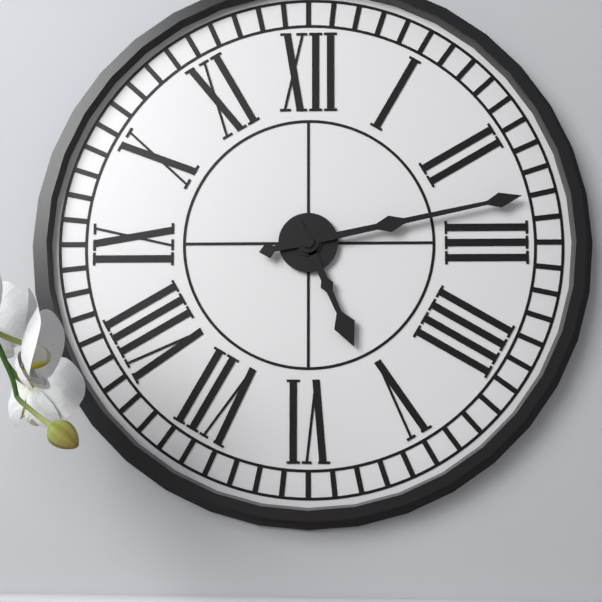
h=5 m=13
